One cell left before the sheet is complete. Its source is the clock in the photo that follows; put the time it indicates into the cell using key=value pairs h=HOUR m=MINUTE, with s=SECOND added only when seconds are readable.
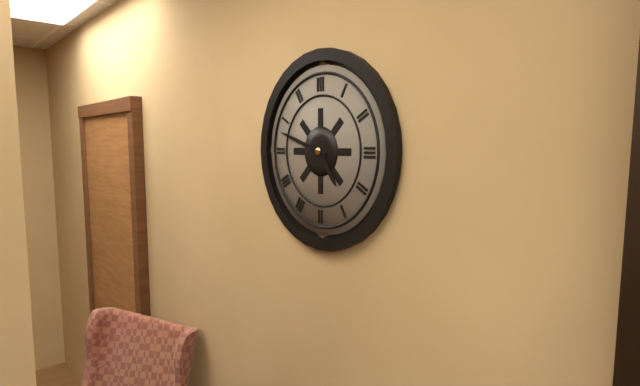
h=4 m=48
